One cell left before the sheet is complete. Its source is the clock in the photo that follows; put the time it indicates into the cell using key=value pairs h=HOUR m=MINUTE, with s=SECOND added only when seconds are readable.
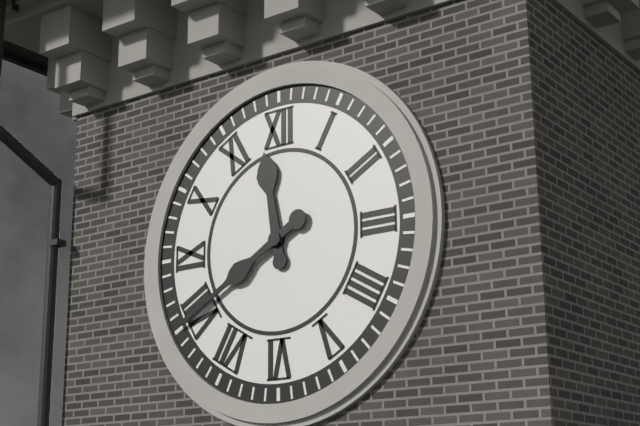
h=11 m=40
